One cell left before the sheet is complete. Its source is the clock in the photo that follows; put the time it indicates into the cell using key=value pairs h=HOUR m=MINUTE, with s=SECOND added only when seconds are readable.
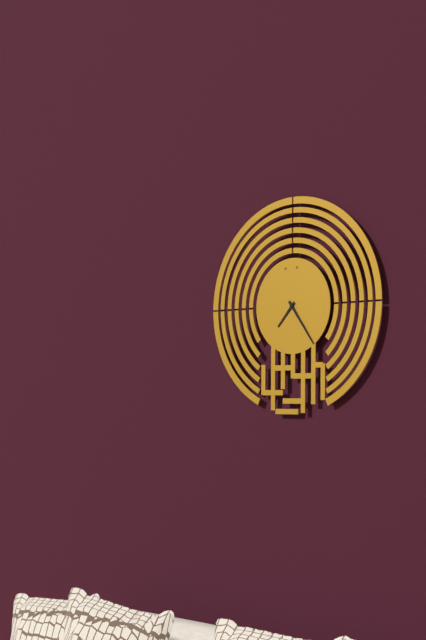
h=7 m=24
